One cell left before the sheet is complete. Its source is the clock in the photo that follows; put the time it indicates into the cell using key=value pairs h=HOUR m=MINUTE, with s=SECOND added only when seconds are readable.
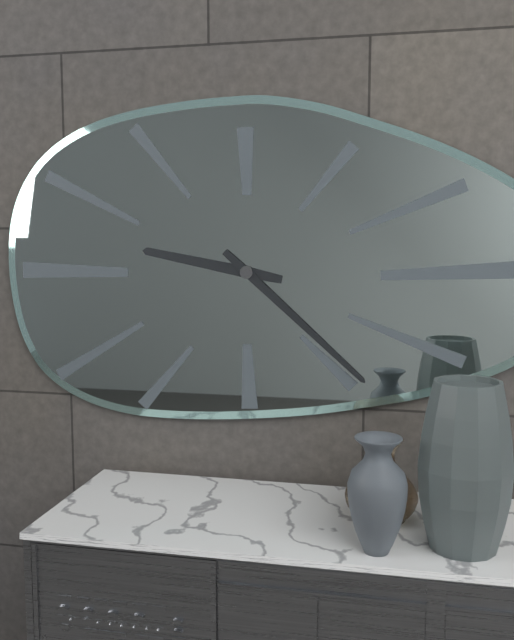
h=9 m=22
